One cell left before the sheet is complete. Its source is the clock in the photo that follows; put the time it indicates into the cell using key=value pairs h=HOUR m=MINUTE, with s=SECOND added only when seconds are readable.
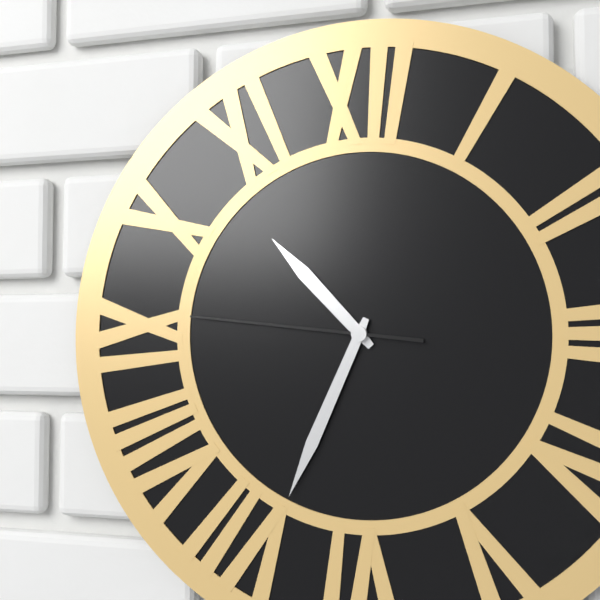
h=10 m=34 s=46
